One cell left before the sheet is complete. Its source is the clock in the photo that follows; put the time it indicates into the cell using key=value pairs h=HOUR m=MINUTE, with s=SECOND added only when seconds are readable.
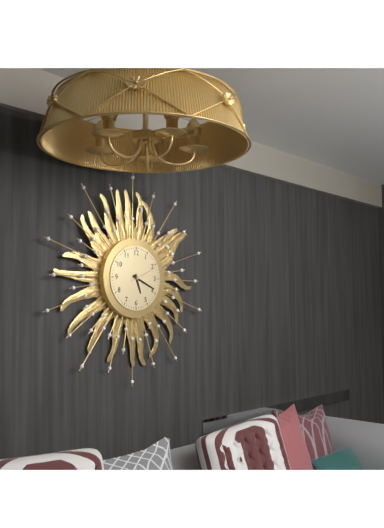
h=5 m=19
